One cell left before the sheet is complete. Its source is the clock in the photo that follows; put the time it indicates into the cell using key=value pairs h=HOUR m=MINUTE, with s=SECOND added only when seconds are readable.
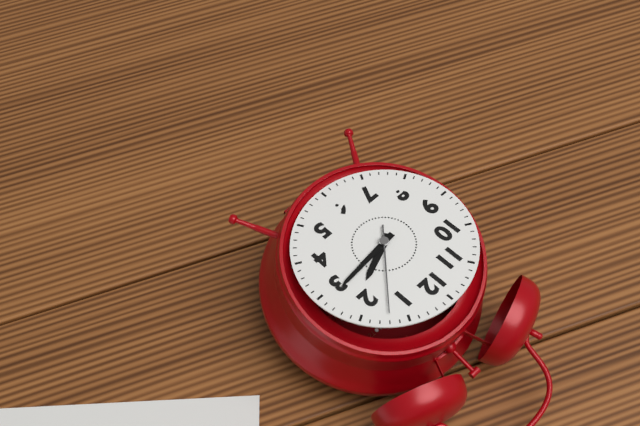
h=2 m=14 s=7
